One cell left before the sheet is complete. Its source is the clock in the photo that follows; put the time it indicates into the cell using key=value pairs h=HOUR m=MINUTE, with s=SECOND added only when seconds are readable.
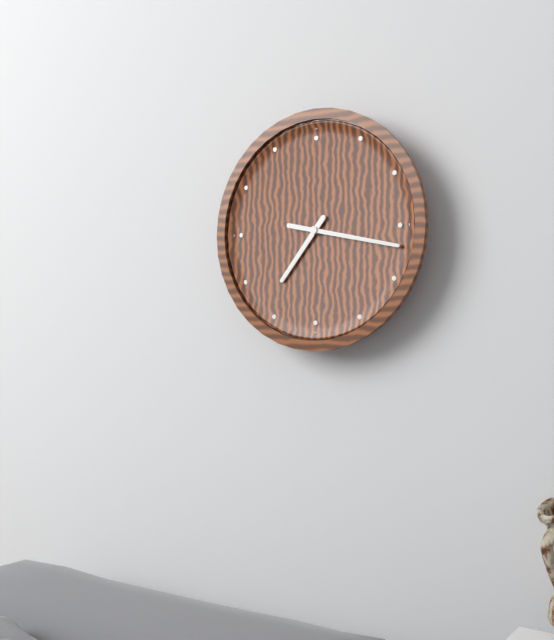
h=7 m=17
